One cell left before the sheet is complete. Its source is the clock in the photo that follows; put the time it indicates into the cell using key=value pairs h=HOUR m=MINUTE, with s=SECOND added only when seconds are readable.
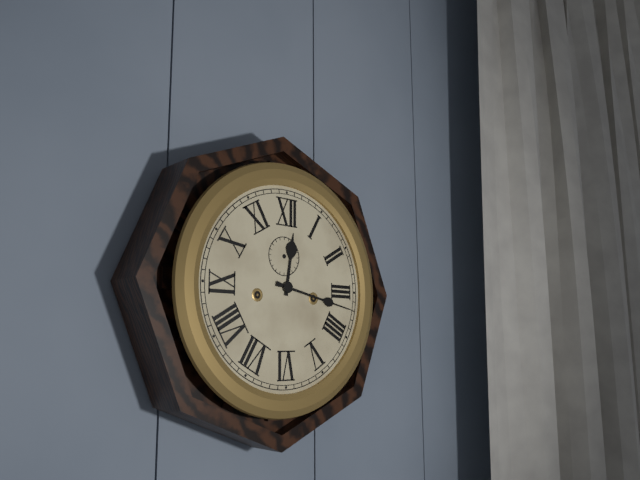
h=12 m=17
